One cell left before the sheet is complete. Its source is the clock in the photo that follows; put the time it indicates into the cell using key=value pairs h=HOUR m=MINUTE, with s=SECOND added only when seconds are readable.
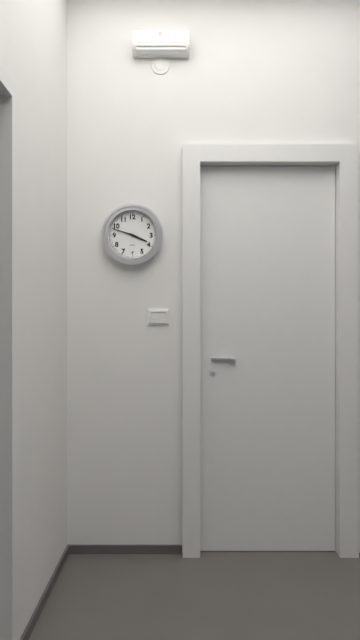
h=3 m=48
